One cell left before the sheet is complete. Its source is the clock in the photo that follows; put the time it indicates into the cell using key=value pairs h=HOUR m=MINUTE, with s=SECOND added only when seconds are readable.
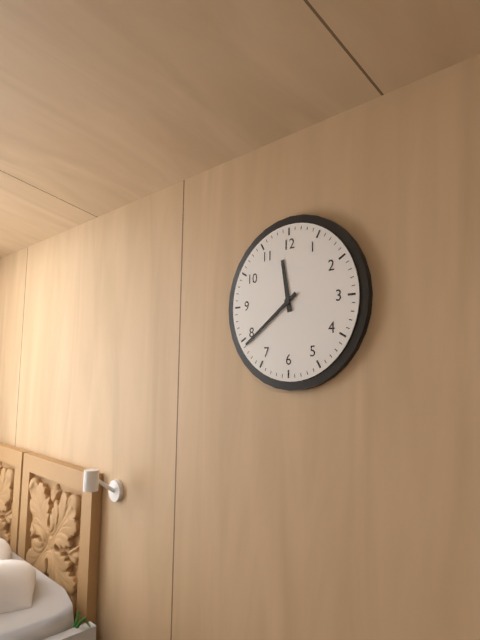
h=11 m=39
